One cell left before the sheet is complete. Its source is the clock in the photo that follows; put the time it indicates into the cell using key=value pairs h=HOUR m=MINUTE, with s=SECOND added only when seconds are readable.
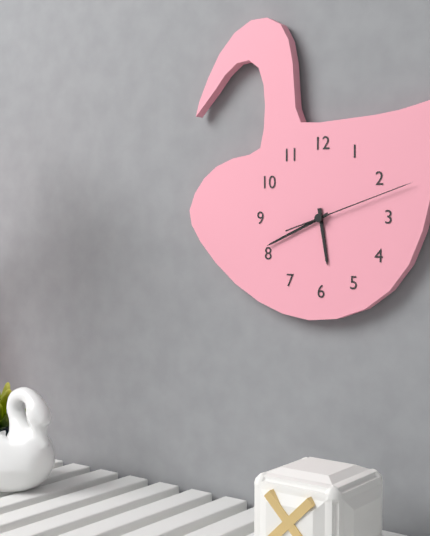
h=5 m=41 s=12
